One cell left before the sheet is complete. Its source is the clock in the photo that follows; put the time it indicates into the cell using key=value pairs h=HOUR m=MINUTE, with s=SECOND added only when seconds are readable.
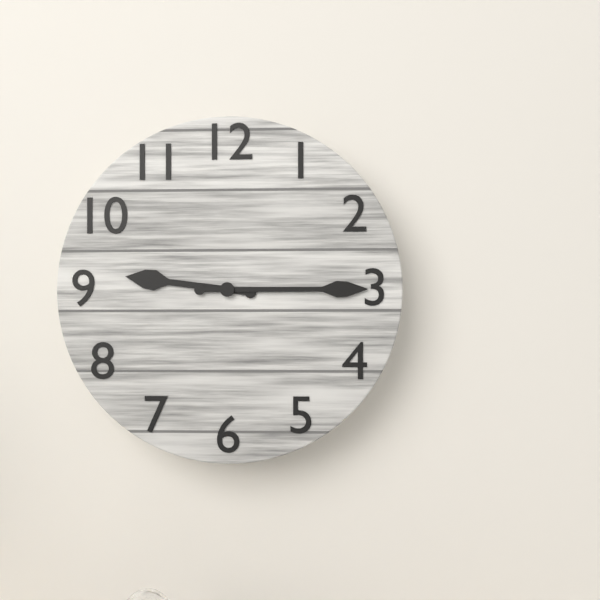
h=9 m=15
